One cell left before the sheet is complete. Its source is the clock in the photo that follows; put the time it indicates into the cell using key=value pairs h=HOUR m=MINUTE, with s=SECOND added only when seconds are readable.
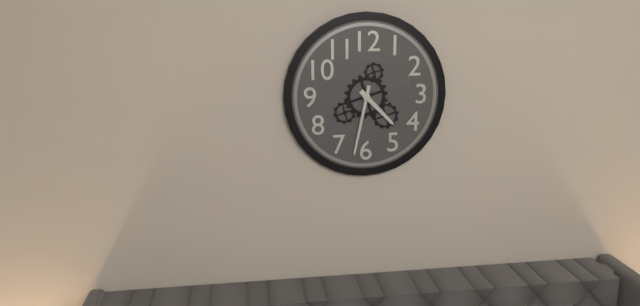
h=4 m=32
